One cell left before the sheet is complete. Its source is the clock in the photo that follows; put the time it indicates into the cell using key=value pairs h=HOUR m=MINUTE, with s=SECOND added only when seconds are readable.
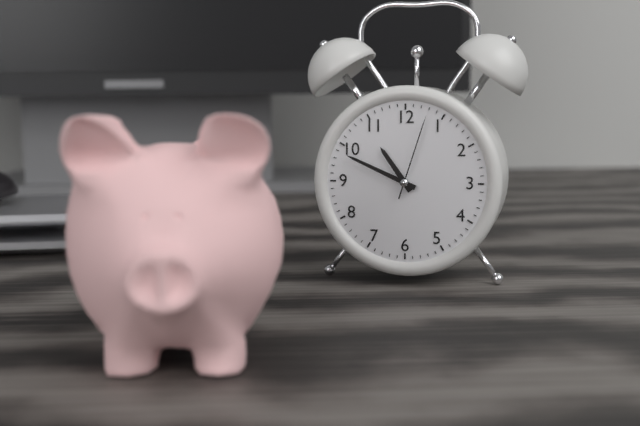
h=10 m=49 s=3
